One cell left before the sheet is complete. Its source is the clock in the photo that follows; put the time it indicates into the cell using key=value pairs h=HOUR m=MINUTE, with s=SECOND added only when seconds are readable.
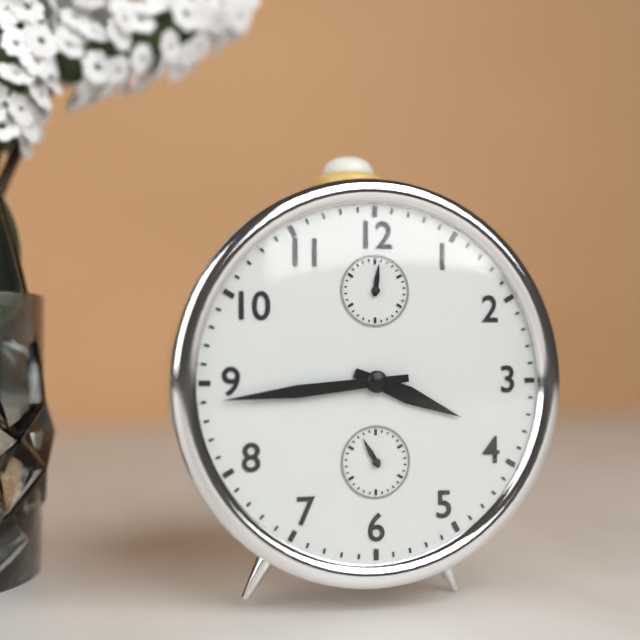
h=3 m=44
